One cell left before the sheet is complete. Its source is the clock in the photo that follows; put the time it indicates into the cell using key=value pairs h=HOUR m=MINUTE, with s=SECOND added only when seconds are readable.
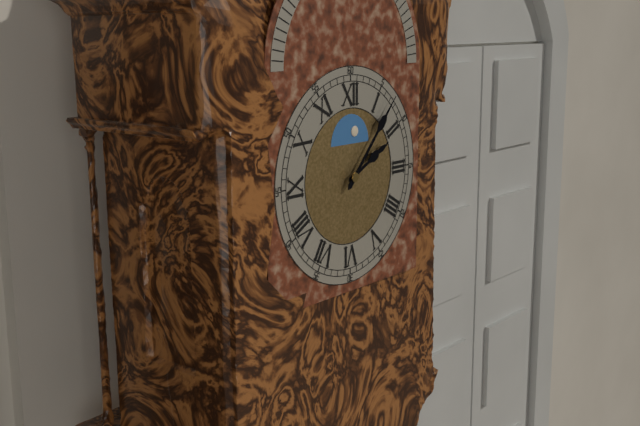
h=2 m=7
